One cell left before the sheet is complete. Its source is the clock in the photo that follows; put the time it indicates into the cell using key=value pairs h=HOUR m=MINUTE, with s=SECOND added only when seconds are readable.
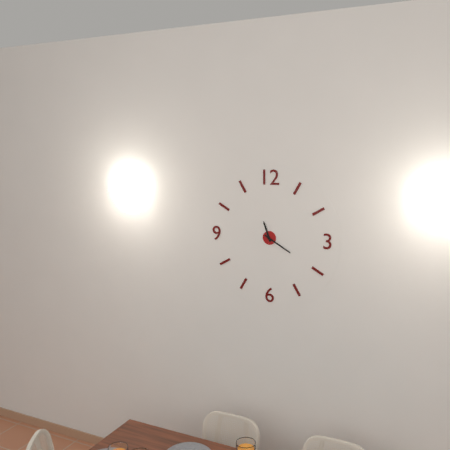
h=11 m=20
